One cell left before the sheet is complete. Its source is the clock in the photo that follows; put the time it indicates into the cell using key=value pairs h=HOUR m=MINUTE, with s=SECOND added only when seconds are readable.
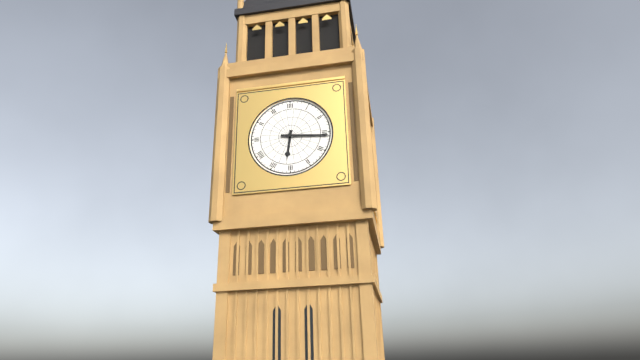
h=6 m=16
